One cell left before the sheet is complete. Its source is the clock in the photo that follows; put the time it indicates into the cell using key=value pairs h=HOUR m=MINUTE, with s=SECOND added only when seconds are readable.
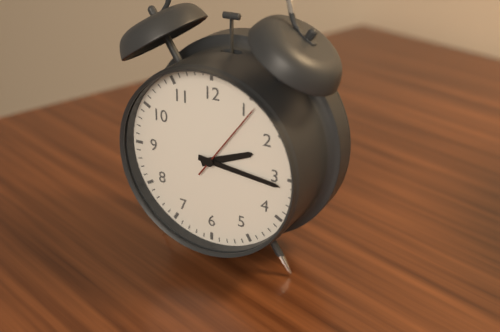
h=2 m=16 s=6
